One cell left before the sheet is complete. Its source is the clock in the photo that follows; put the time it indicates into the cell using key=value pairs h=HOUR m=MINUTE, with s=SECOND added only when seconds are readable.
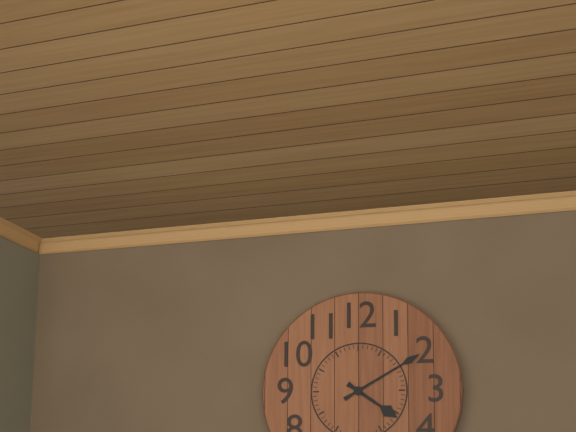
h=4 m=10
